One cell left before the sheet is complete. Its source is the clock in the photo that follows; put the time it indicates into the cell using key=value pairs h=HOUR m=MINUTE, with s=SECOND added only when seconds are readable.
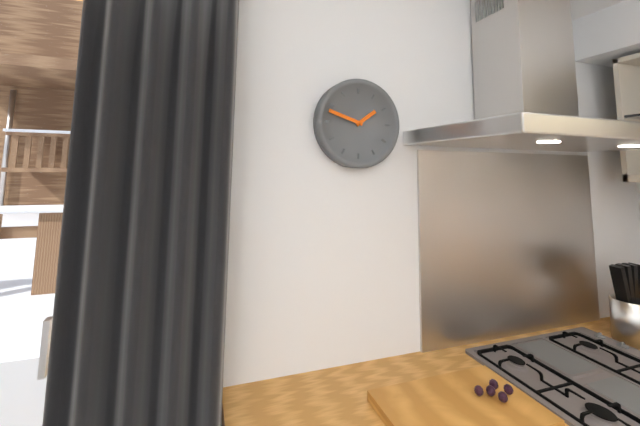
h=1 m=48
